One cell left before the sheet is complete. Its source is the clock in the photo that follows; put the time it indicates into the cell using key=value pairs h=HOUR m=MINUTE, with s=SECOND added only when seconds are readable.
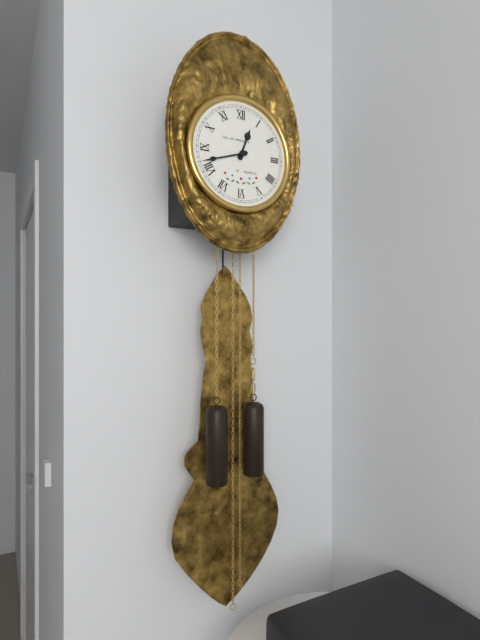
h=12 m=42
